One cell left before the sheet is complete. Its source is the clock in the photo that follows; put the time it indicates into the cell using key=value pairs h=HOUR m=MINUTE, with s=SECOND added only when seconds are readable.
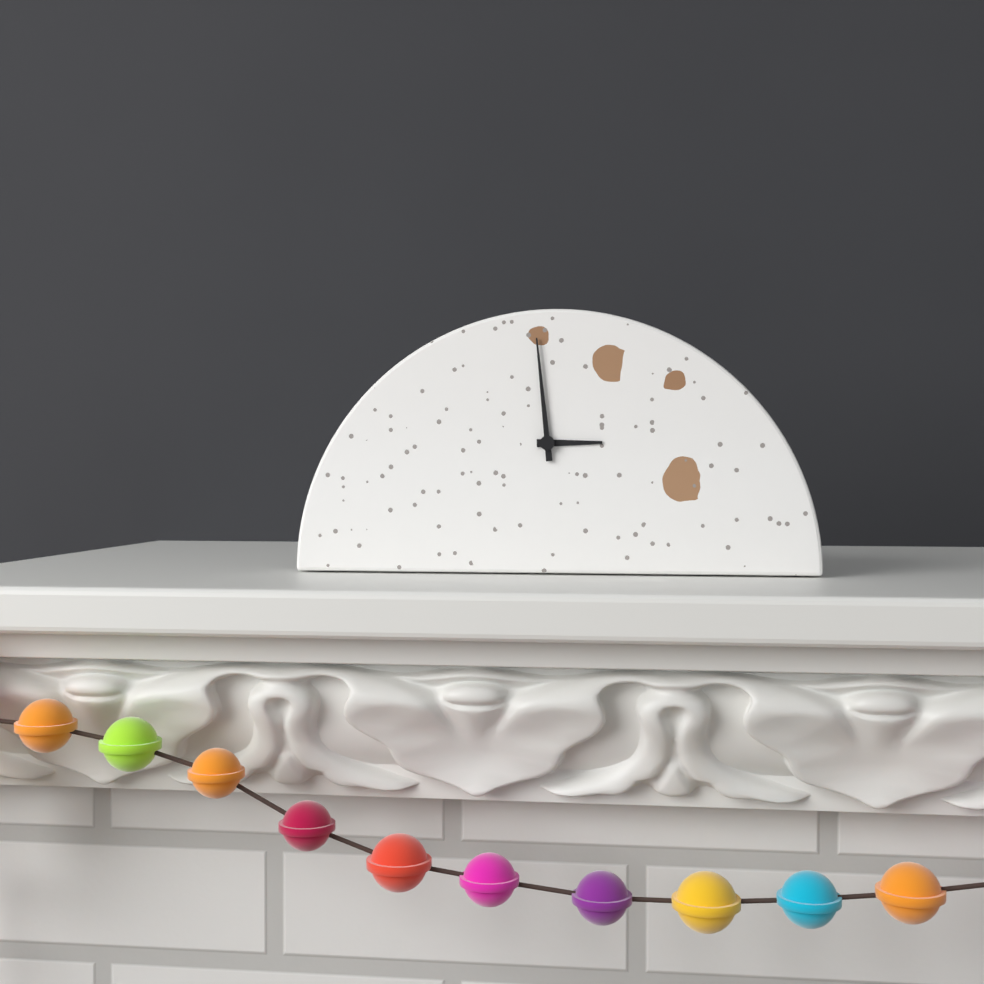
h=2 m=59
